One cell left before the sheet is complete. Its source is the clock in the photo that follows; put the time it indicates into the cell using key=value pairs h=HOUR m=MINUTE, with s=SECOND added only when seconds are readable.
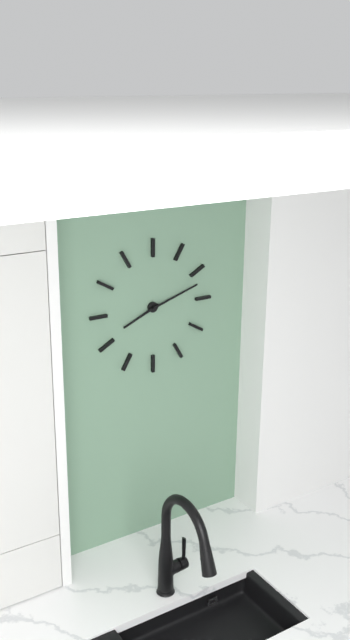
h=8 m=12
